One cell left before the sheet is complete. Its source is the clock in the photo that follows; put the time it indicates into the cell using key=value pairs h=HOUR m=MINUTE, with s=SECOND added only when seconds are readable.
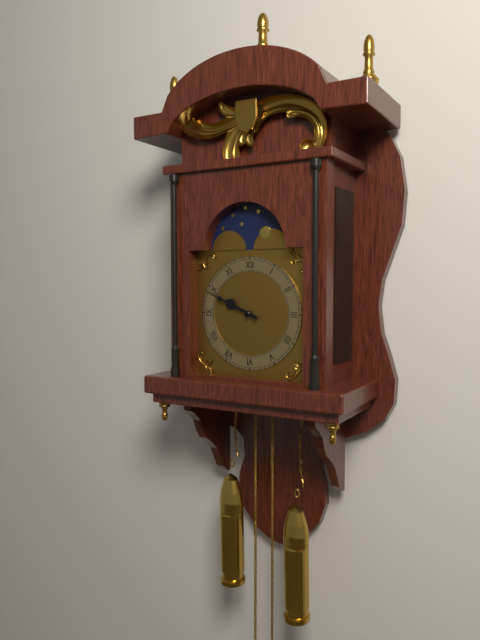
h=9 m=49
